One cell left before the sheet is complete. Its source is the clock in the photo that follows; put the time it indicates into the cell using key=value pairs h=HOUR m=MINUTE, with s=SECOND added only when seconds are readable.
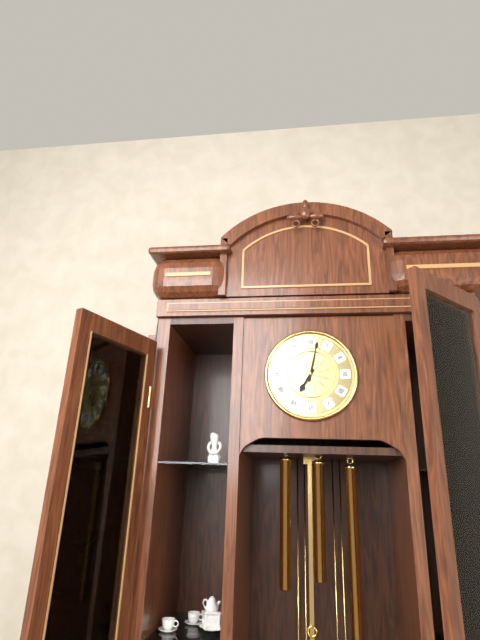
h=7 m=2
